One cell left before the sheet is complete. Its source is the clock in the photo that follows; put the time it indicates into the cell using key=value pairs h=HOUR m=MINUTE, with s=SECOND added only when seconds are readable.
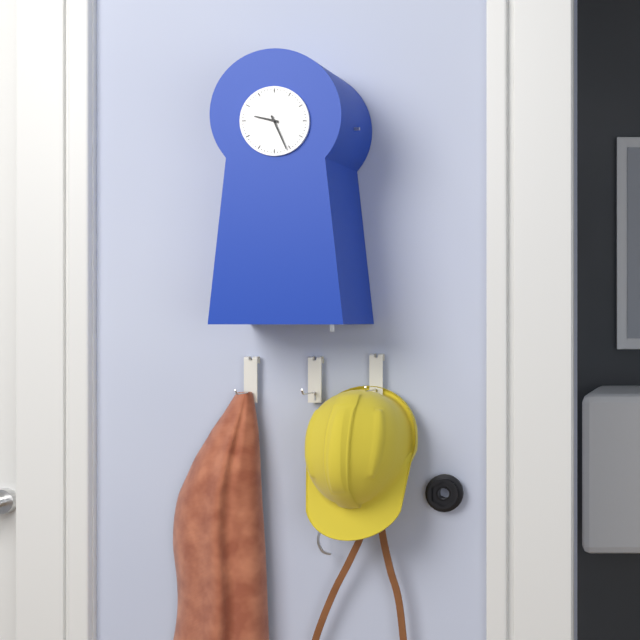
h=9 m=26
